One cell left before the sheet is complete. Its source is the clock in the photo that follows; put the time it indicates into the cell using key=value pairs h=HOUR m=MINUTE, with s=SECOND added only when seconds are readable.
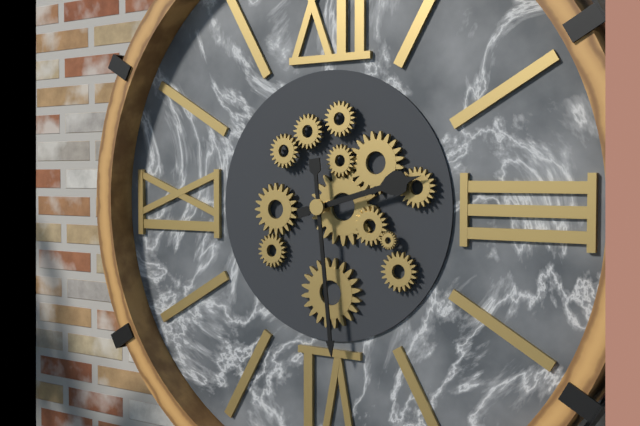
h=2 m=29
